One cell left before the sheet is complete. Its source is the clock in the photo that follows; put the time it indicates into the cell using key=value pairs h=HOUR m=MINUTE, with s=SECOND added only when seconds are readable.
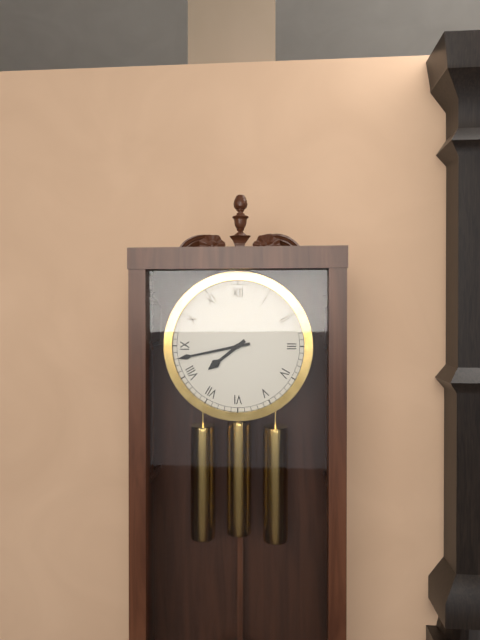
h=7 m=43
